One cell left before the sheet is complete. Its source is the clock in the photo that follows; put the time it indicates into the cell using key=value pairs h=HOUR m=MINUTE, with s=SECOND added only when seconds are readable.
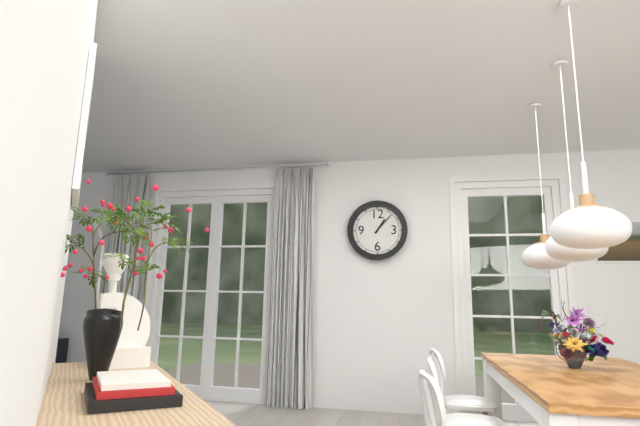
h=1 m=7
